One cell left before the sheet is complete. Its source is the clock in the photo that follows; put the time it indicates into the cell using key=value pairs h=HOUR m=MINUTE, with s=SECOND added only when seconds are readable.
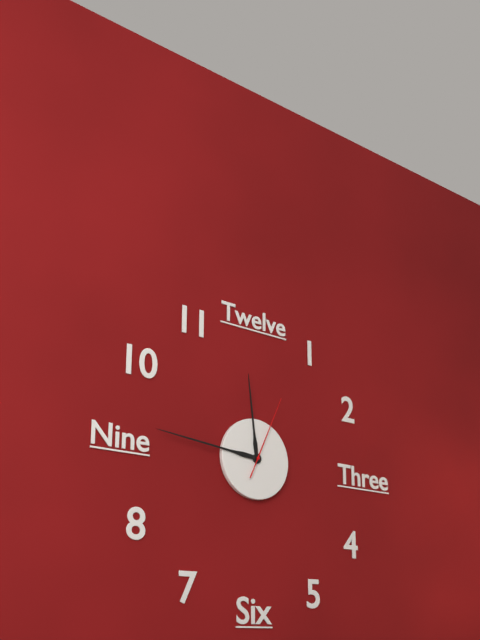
h=11 m=46 s=4
